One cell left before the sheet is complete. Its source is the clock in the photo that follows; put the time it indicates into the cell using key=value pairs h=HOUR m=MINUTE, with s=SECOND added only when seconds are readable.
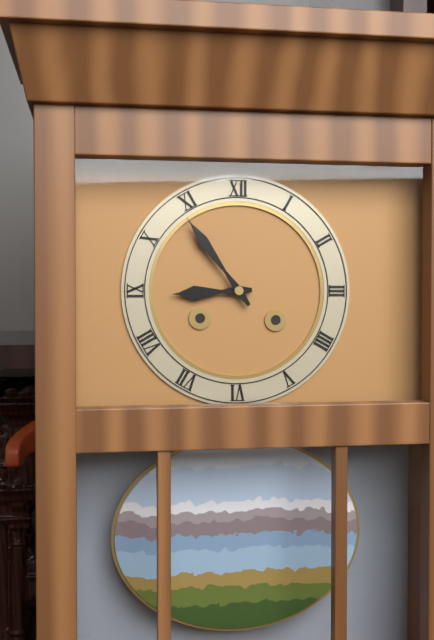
h=8 m=54
